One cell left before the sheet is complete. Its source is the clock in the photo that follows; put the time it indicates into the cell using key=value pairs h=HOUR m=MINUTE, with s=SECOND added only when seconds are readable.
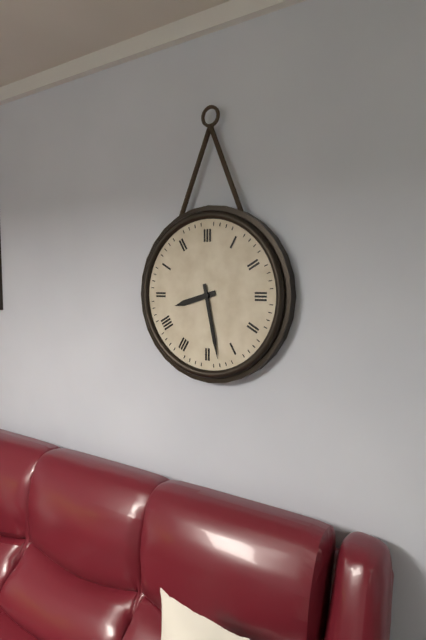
h=8 m=28
